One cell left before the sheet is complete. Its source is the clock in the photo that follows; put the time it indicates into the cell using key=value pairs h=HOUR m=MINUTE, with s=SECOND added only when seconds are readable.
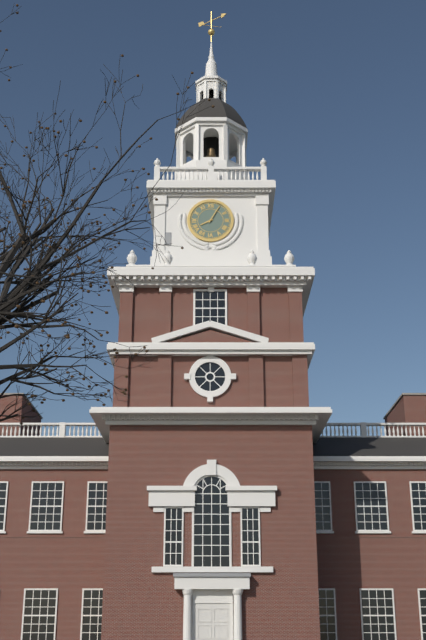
h=8 m=5
